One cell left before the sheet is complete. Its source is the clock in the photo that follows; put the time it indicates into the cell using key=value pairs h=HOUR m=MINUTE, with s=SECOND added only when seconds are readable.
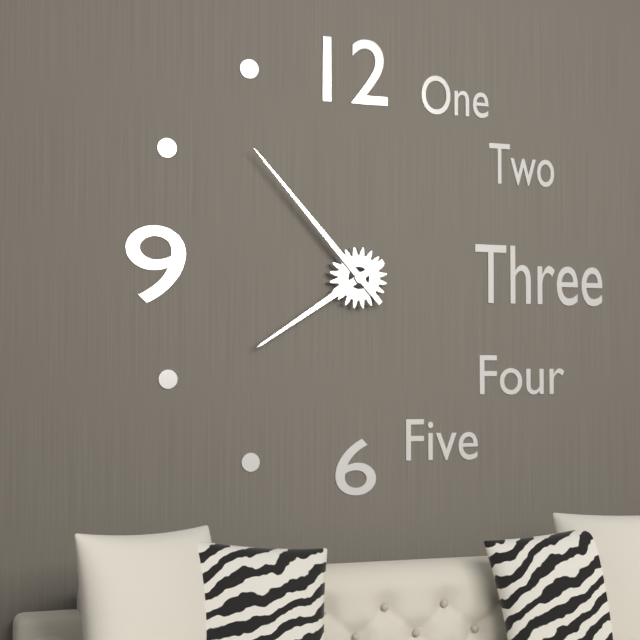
h=7 m=53
